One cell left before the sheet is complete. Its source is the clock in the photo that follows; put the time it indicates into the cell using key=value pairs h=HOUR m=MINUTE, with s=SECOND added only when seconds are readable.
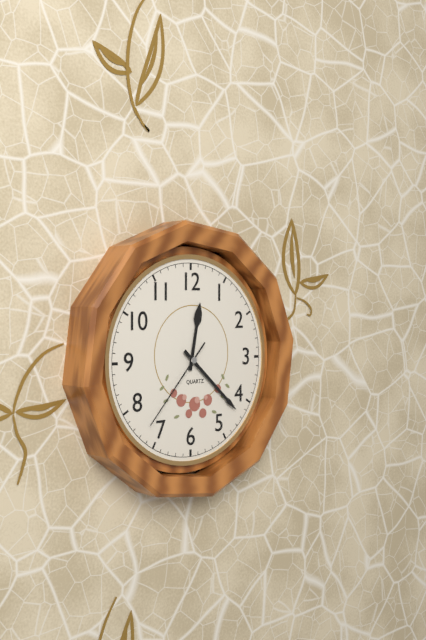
h=12 m=22 s=37
